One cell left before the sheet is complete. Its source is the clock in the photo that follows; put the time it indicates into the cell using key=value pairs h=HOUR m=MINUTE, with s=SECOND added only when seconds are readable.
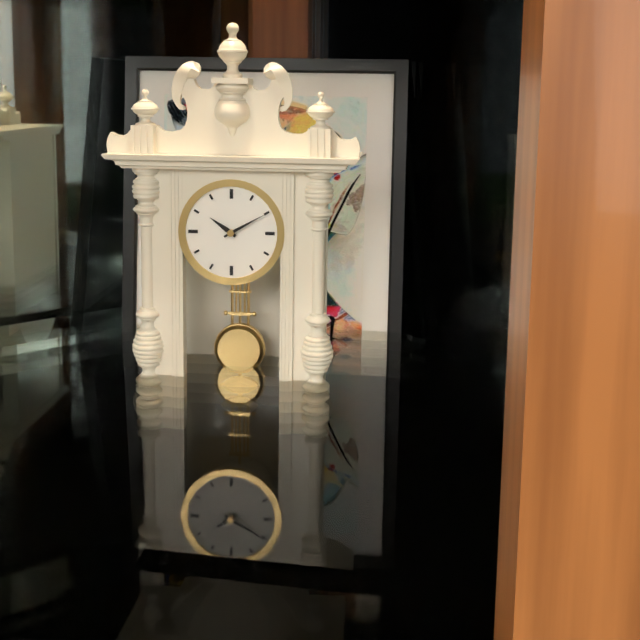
h=10 m=10
